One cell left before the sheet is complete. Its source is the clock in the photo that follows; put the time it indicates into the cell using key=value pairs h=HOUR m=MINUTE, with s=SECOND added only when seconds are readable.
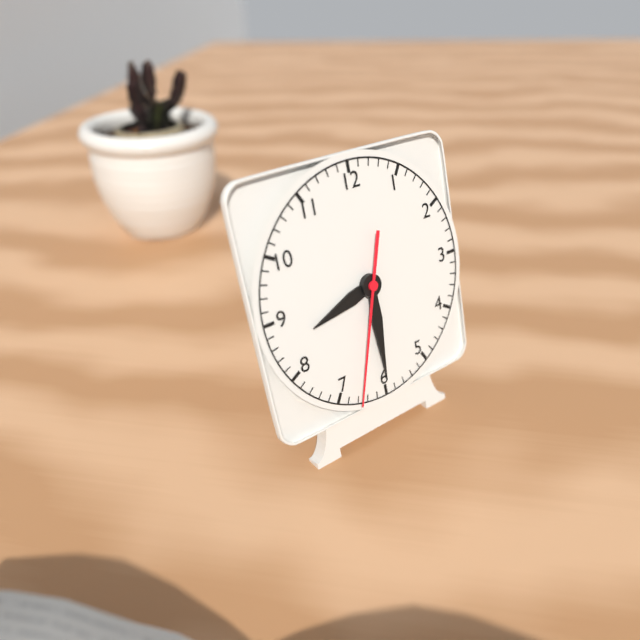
h=8 m=30 s=33
